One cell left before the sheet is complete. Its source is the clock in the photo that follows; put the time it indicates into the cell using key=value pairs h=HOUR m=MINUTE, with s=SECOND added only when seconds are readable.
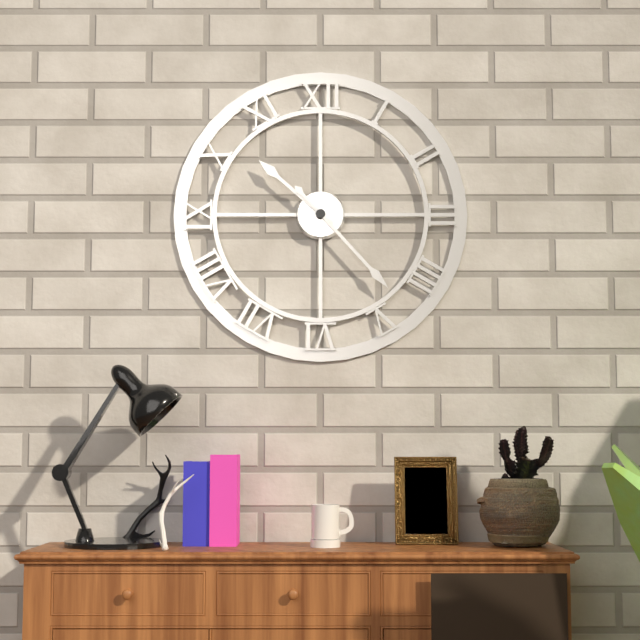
h=10 m=23
